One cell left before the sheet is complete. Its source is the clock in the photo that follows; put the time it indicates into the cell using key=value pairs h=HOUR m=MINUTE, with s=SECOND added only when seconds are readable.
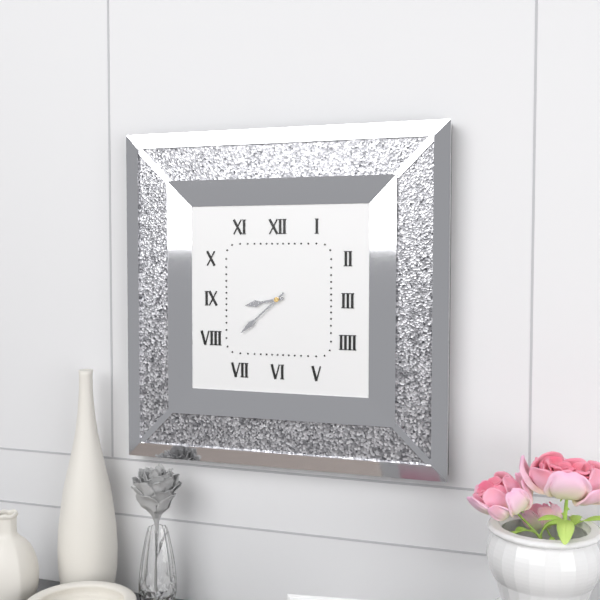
h=8 m=38
